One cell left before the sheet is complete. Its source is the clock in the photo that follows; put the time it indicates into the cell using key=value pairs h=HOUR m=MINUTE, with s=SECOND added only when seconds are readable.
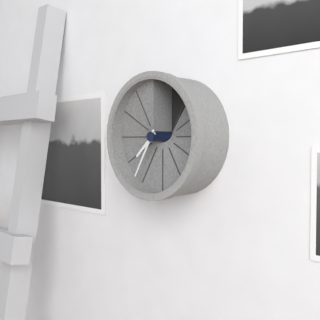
h=7 m=35
